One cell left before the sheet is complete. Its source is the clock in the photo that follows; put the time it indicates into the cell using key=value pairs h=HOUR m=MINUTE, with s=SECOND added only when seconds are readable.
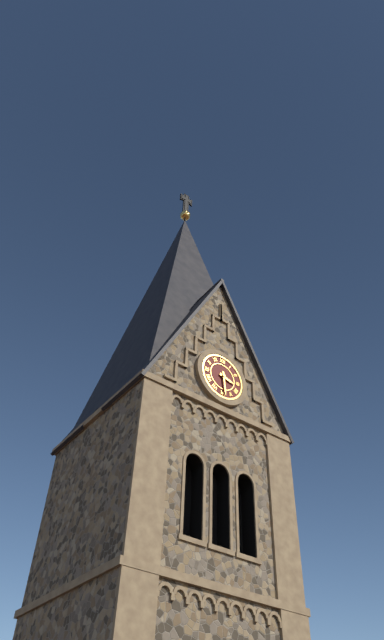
h=3 m=29
